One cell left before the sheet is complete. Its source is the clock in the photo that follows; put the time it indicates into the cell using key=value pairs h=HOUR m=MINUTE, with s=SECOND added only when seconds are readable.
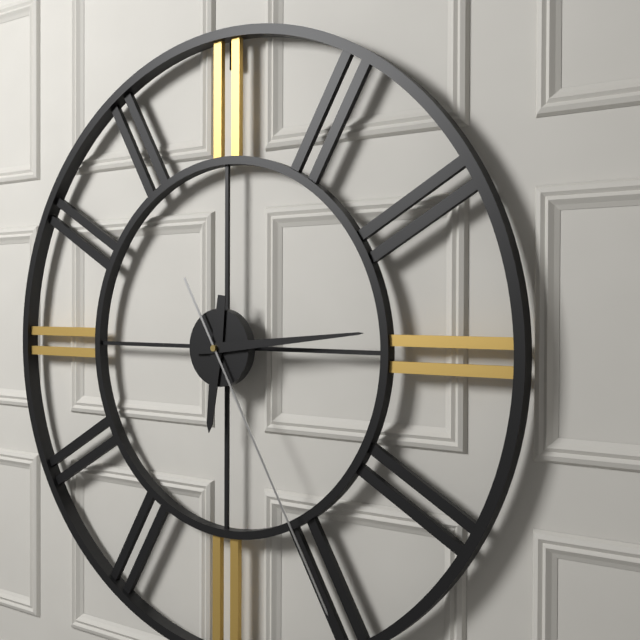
h=6 m=14 s=25
